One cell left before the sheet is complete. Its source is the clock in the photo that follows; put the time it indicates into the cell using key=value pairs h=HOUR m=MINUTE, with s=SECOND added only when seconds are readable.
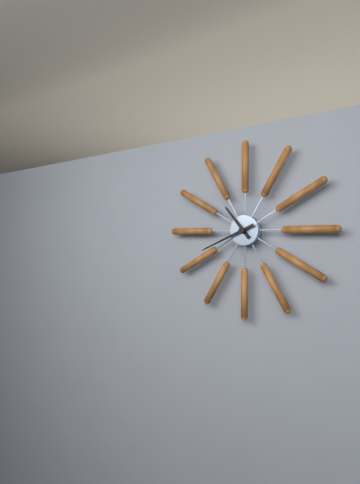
h=10 m=41
